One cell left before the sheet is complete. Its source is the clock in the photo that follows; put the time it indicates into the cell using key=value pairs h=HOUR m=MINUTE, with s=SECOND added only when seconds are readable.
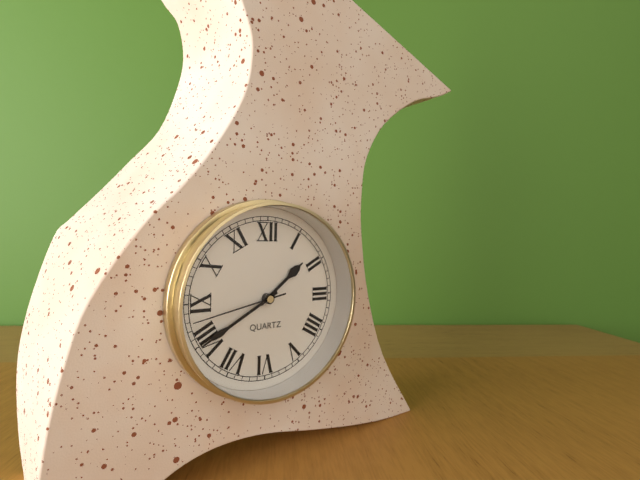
h=1 m=40 s=43
